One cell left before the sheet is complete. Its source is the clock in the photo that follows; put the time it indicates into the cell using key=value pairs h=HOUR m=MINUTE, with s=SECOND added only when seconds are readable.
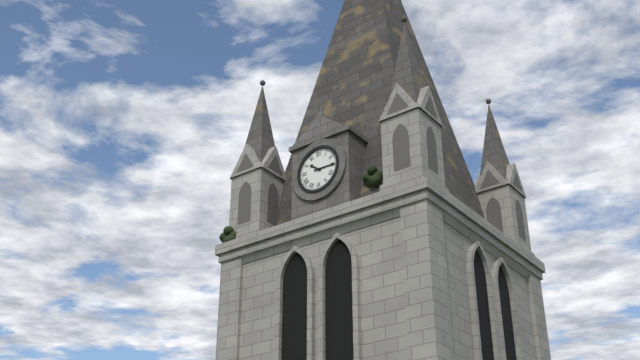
h=10 m=15
